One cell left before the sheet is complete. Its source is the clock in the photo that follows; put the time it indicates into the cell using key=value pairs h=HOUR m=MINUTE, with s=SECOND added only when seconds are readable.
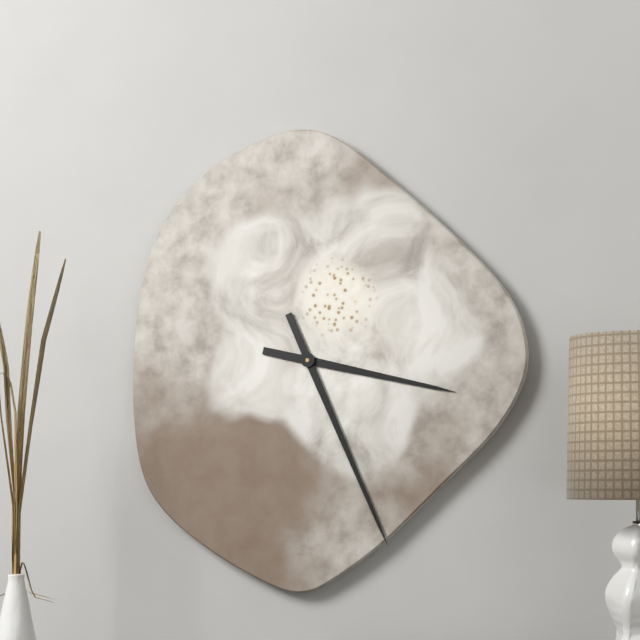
h=3 m=26
